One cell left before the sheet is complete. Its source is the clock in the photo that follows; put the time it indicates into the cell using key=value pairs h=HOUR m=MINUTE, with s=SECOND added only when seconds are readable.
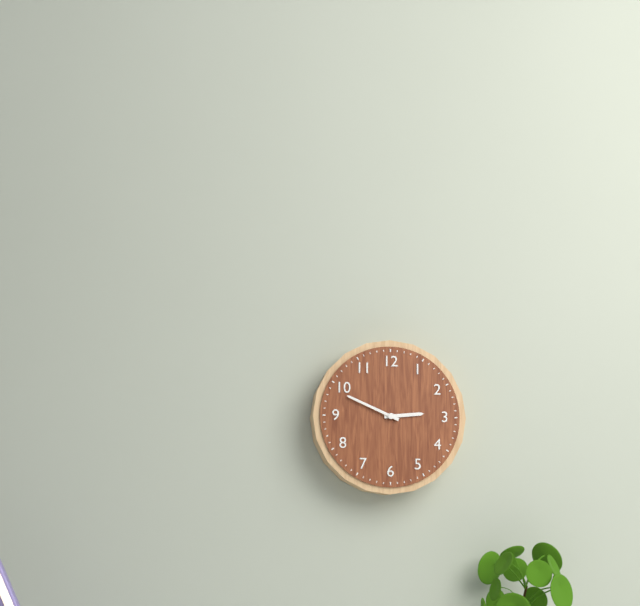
h=2 m=49
